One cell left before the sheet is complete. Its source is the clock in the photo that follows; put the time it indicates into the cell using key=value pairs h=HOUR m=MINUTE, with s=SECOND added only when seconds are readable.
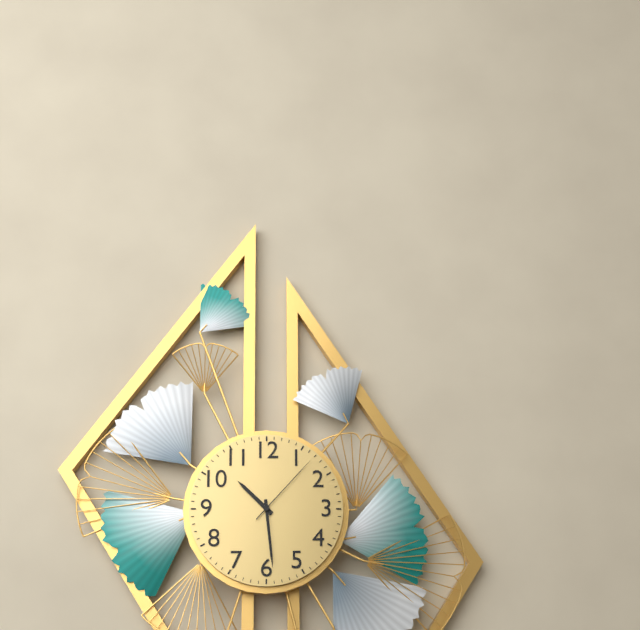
h=10 m=29 s=7
